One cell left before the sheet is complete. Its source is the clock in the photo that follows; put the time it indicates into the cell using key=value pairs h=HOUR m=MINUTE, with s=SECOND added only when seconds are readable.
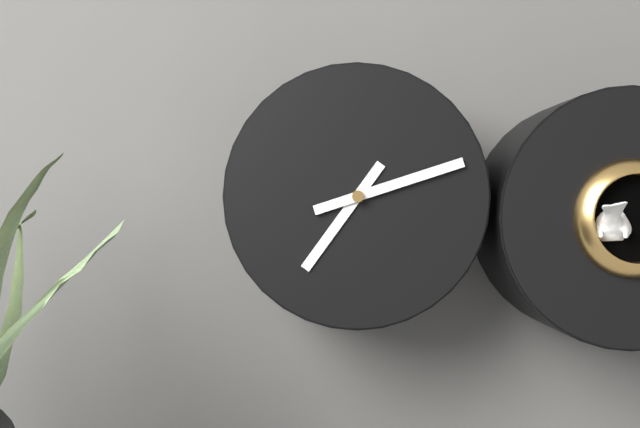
h=7 m=12
